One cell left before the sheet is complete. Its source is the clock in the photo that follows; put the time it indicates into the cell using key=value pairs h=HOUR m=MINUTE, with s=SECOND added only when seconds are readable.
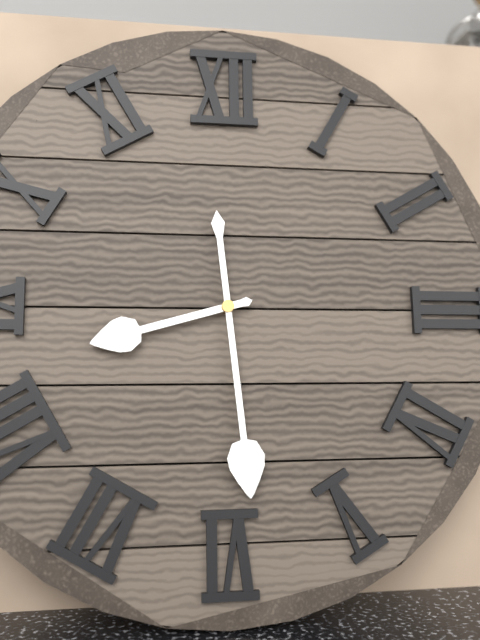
h=8 m=29
